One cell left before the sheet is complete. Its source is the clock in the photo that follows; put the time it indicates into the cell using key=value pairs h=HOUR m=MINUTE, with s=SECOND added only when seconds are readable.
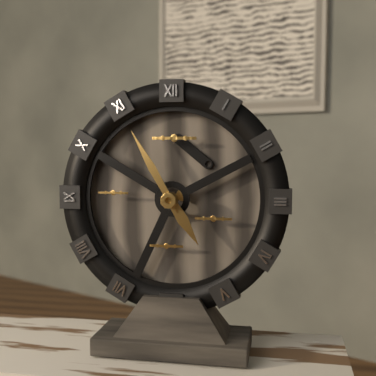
h=4 m=55
